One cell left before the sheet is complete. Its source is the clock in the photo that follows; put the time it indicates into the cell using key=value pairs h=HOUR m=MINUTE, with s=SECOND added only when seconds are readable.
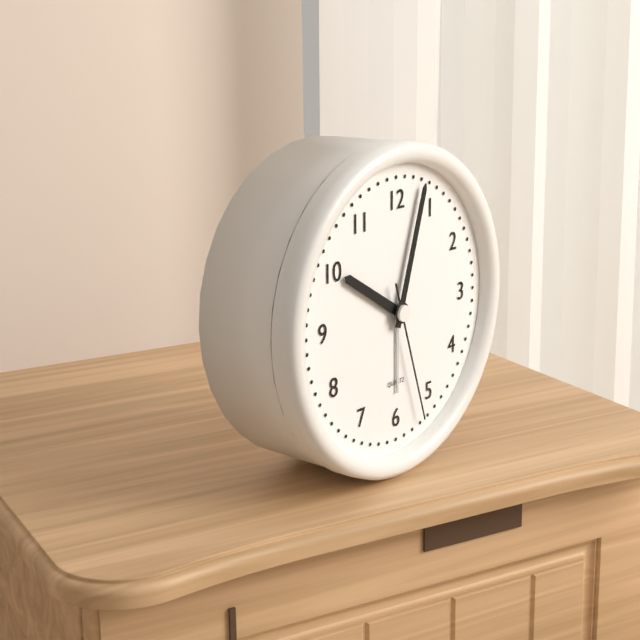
h=10 m=3 s=27
